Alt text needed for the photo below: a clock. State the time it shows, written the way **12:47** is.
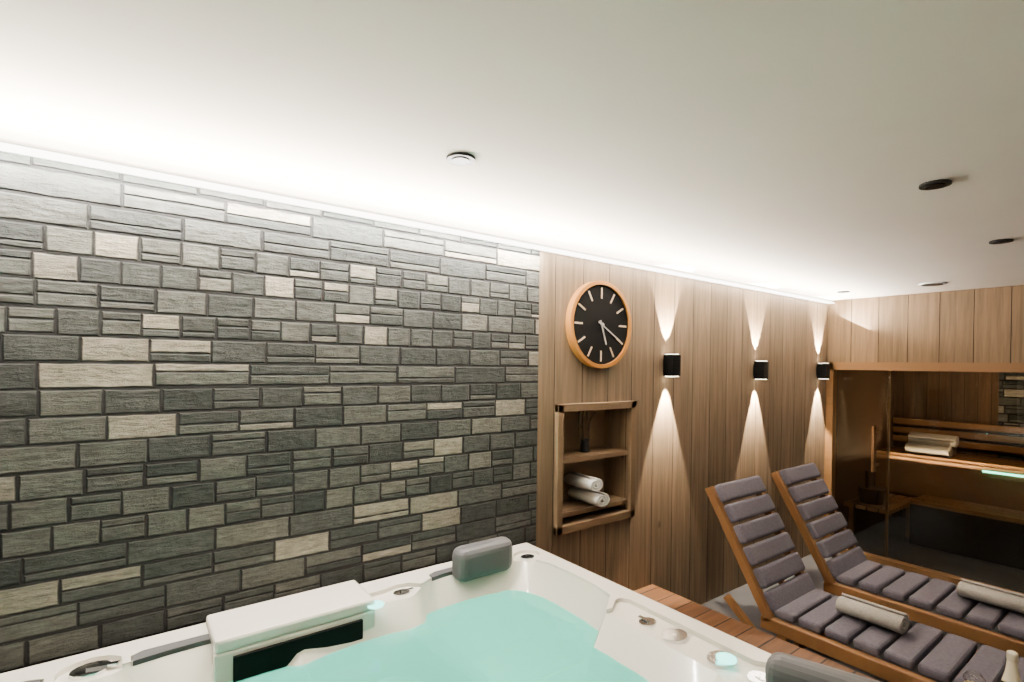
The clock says **5:20**
